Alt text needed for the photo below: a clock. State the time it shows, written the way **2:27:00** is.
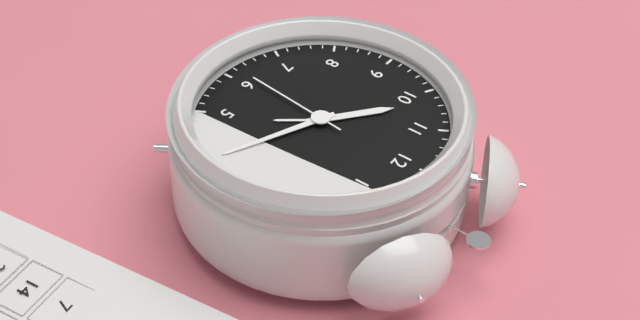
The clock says **10:19:31**
